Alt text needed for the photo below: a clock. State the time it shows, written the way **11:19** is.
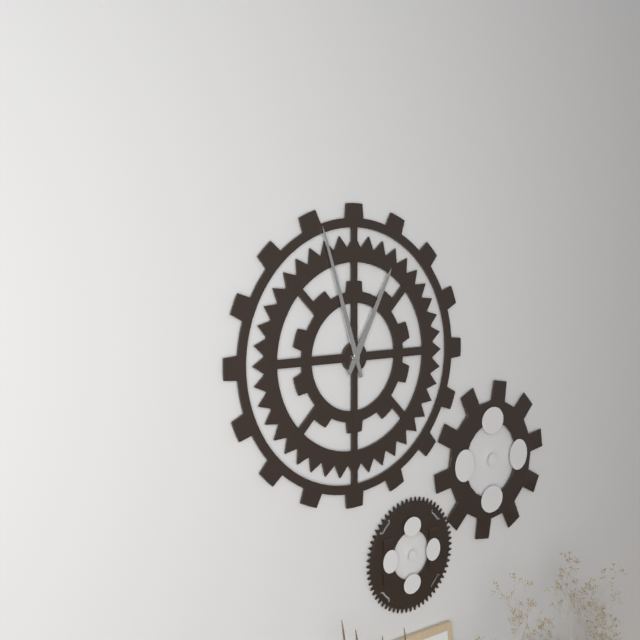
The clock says **12:57**
